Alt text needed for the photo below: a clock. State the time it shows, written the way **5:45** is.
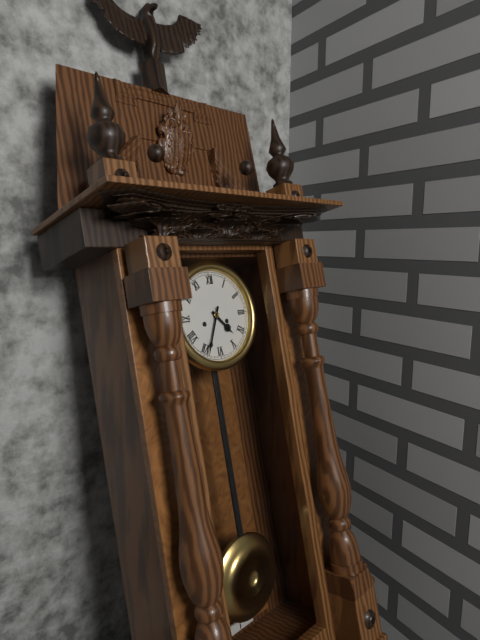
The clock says **4:34**
